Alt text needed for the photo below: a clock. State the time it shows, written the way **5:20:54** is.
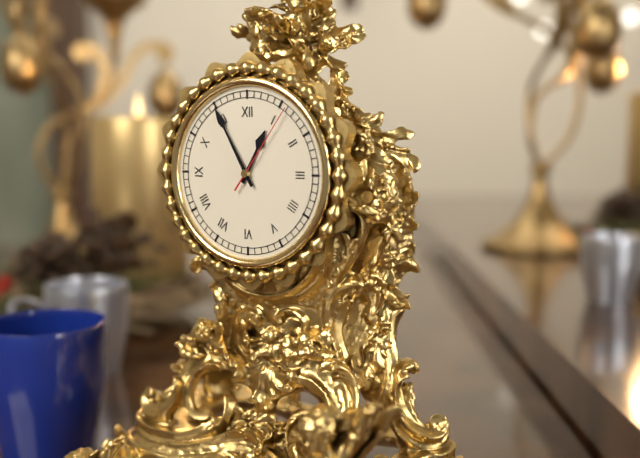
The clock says **12:55:06**
